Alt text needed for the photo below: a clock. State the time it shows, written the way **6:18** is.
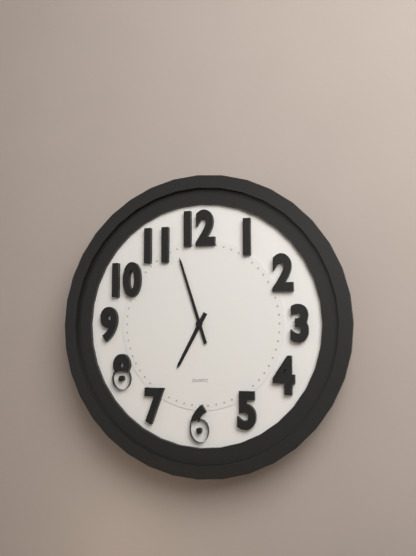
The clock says **6:57**
